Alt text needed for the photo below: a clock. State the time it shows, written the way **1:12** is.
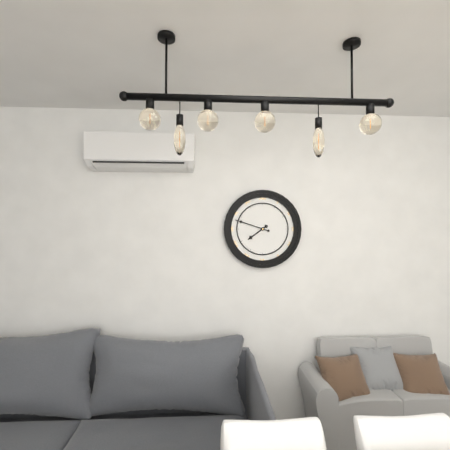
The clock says **7:48**
